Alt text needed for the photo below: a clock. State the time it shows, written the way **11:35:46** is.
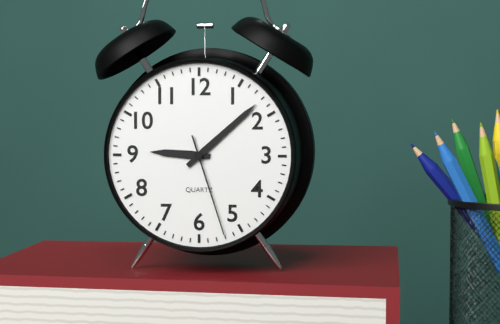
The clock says **9:08:27**
